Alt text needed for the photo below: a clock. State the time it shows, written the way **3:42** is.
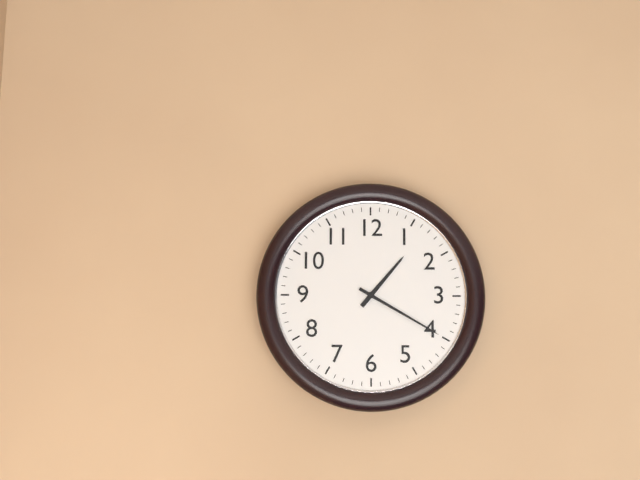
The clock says **1:20**
